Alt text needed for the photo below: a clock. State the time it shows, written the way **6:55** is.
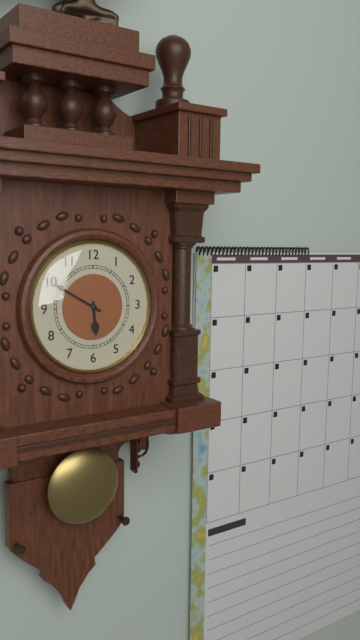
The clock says **5:50**
